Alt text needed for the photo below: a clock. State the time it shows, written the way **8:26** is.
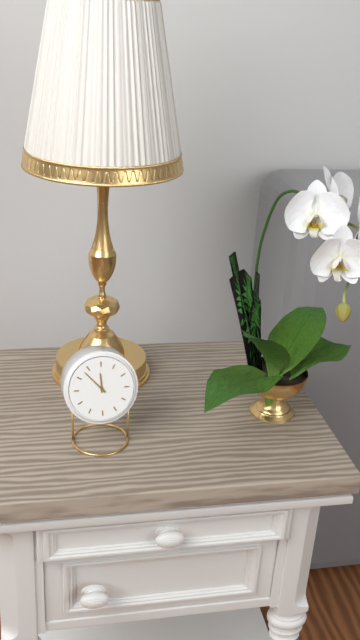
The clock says **11:53**
